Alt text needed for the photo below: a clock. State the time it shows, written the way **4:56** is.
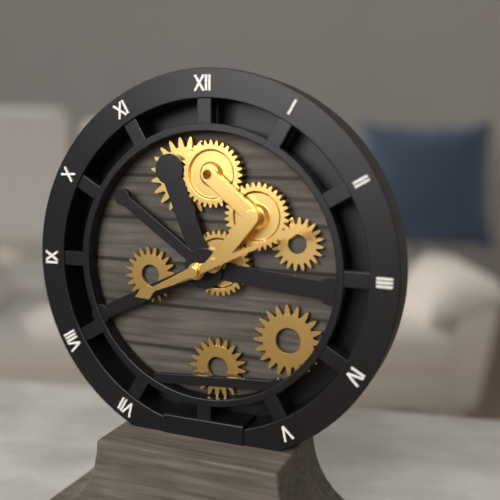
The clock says **8:11**
